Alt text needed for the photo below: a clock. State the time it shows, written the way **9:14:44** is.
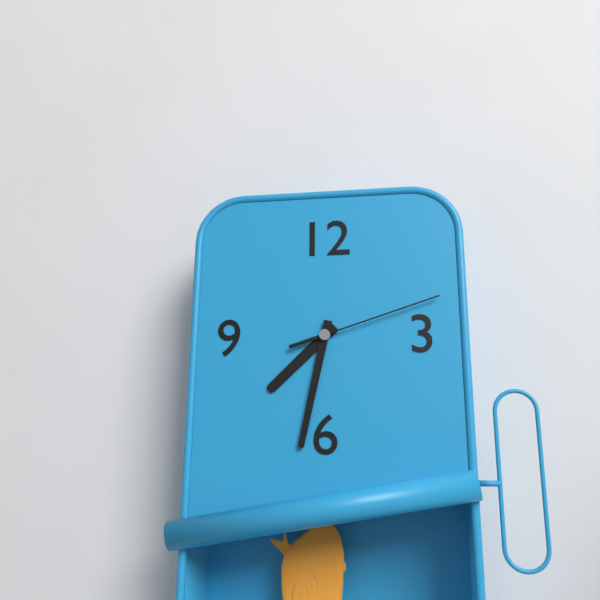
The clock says **7:32:12**
